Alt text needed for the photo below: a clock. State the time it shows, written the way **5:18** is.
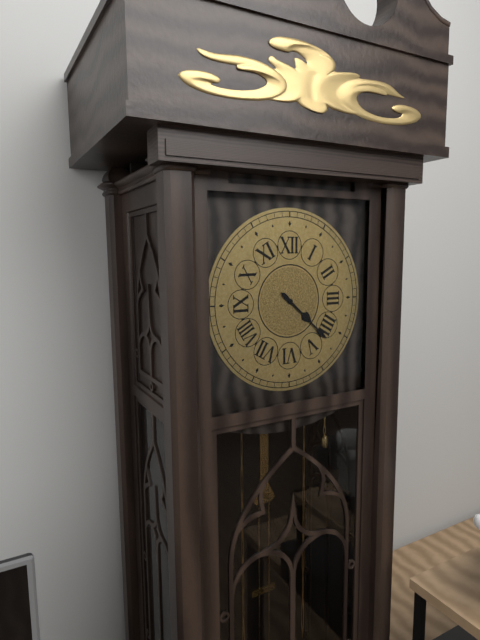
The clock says **4:22**
